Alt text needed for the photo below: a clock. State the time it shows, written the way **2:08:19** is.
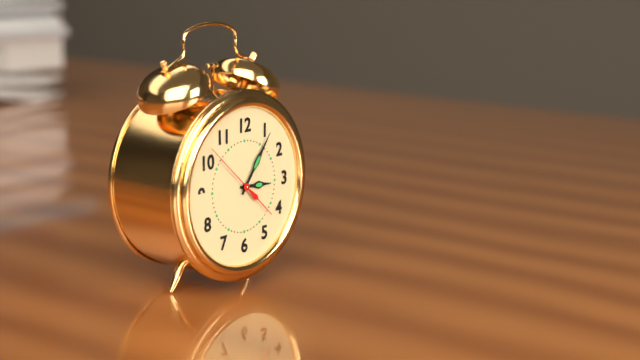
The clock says **3:06:52**
